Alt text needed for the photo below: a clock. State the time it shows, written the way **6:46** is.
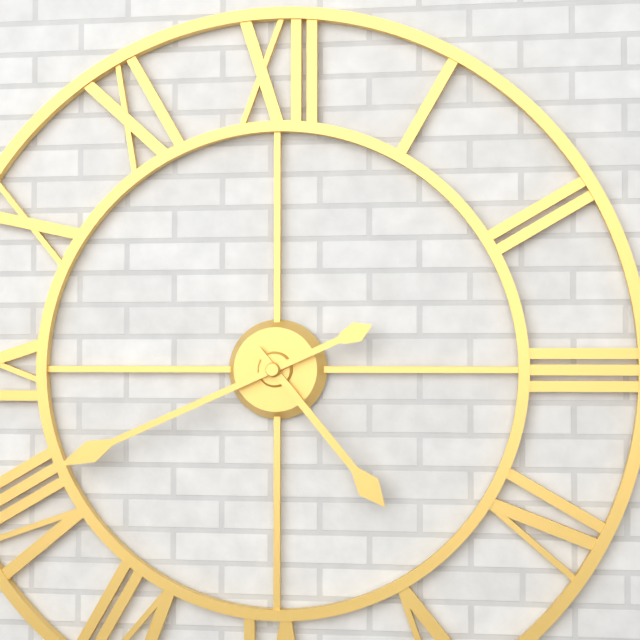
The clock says **4:41**
